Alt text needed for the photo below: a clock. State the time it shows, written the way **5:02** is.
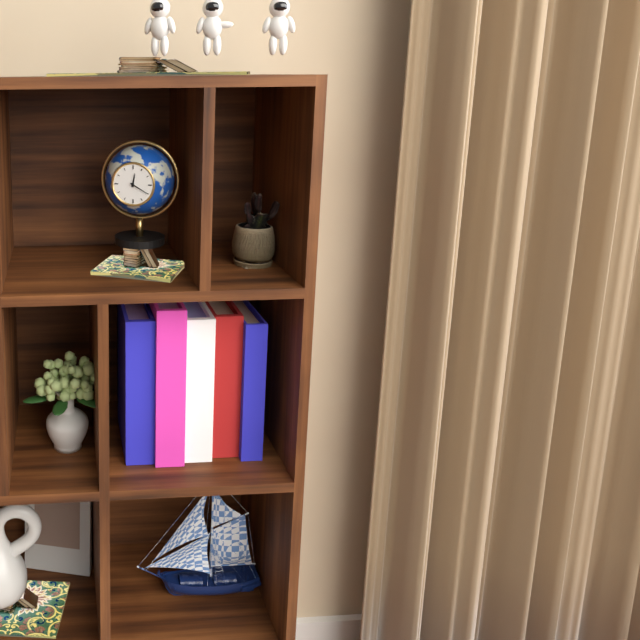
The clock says **12:20**
